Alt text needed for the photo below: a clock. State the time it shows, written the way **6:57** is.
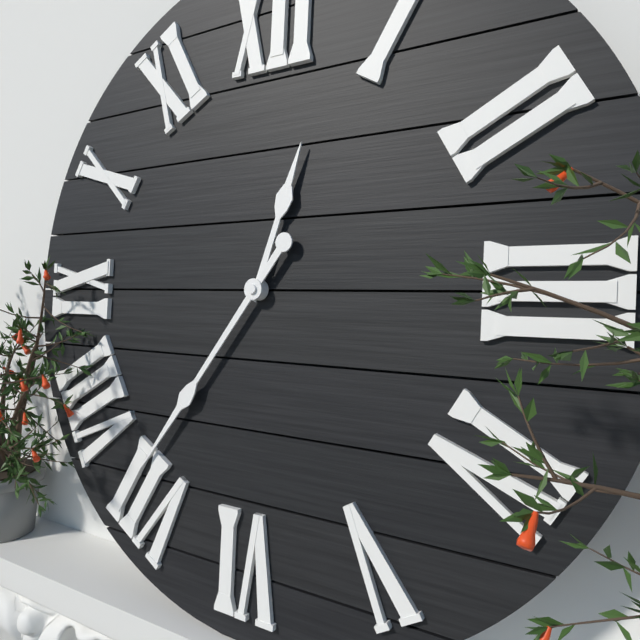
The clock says **12:36**
